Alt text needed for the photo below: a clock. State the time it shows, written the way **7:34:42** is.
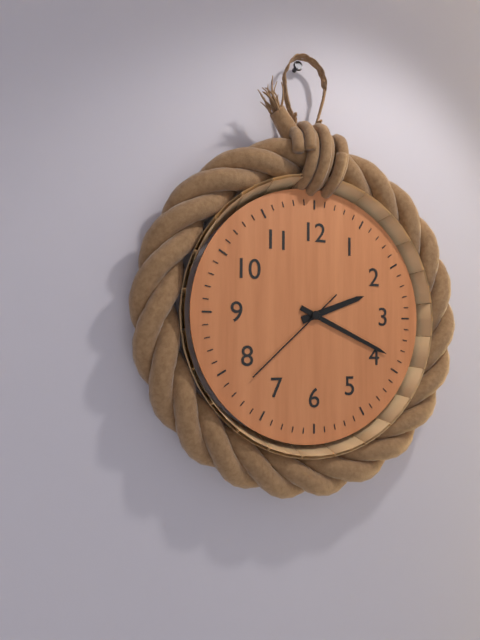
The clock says **2:19:38**
